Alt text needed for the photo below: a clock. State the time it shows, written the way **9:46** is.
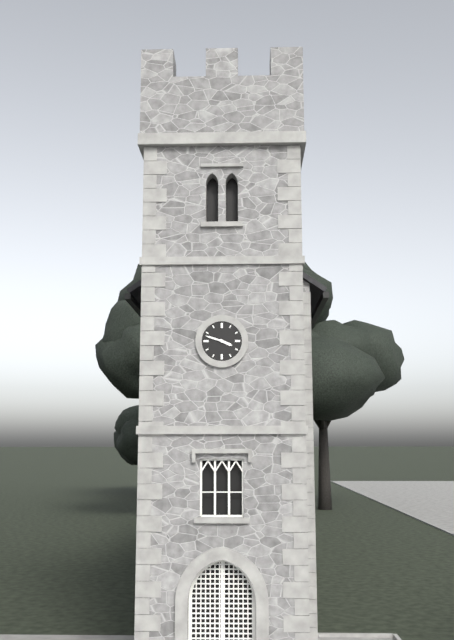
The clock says **3:48**
